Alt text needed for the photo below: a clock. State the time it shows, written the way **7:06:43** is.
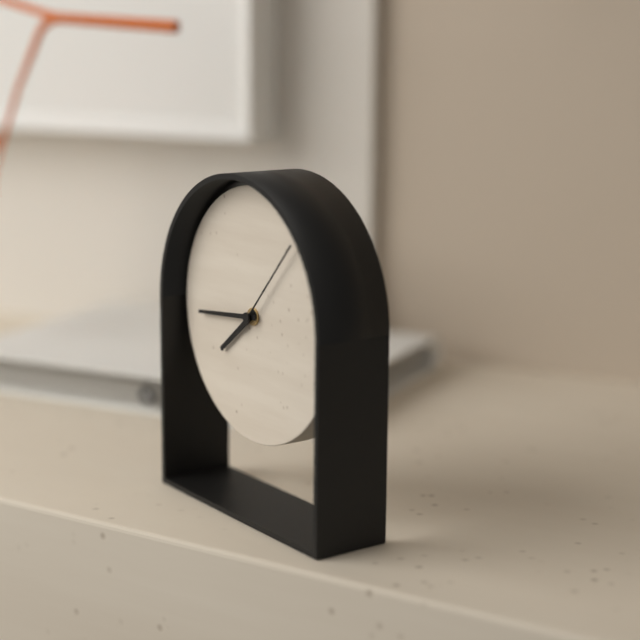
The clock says **7:44:07**
